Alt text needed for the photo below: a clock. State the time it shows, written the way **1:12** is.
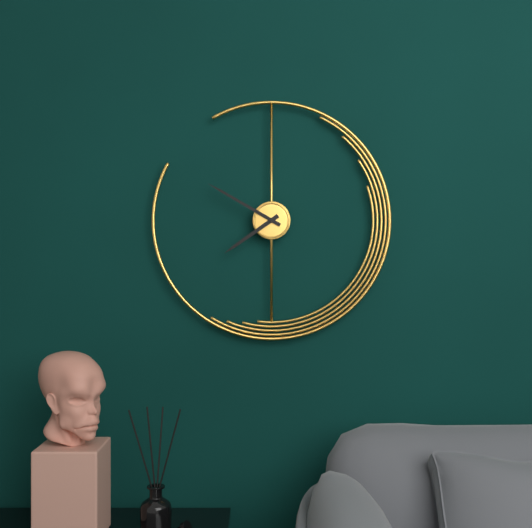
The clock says **7:50**
